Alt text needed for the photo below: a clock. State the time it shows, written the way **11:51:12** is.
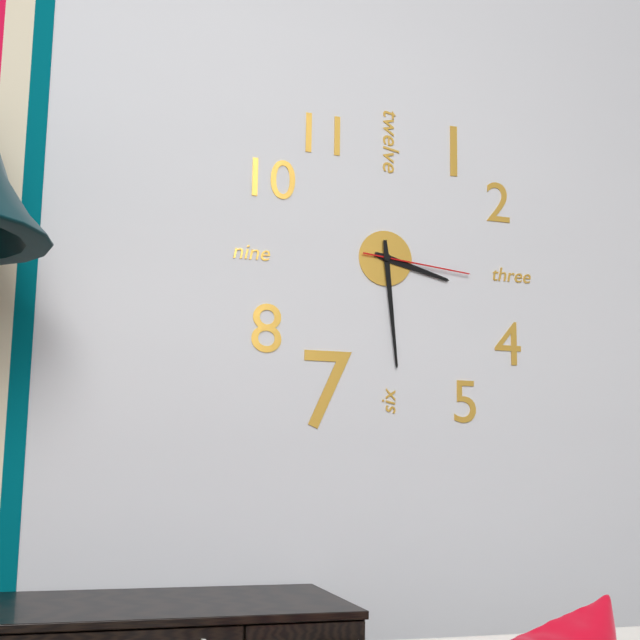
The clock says **3:29:16**
